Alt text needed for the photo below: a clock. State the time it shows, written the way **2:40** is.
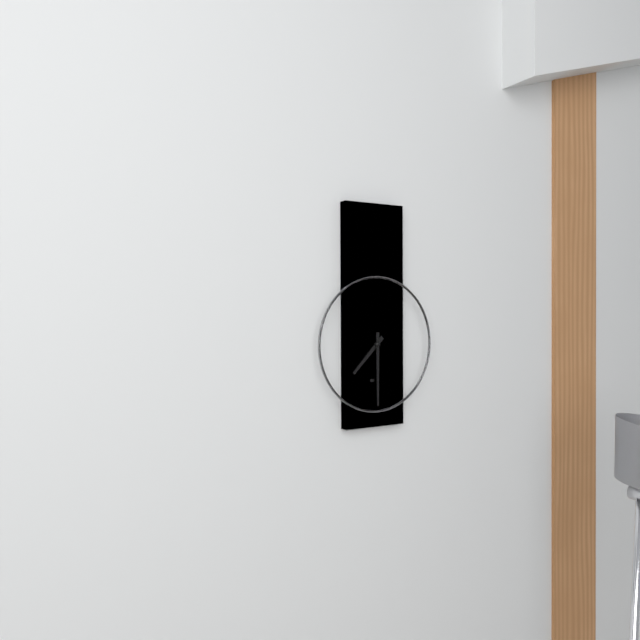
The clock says **7:30**
